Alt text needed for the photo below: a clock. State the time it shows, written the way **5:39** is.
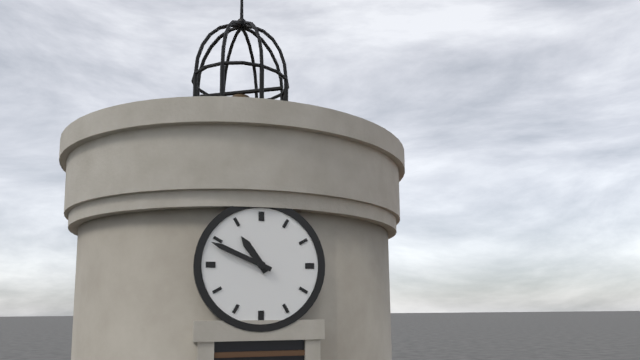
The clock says **10:49**
